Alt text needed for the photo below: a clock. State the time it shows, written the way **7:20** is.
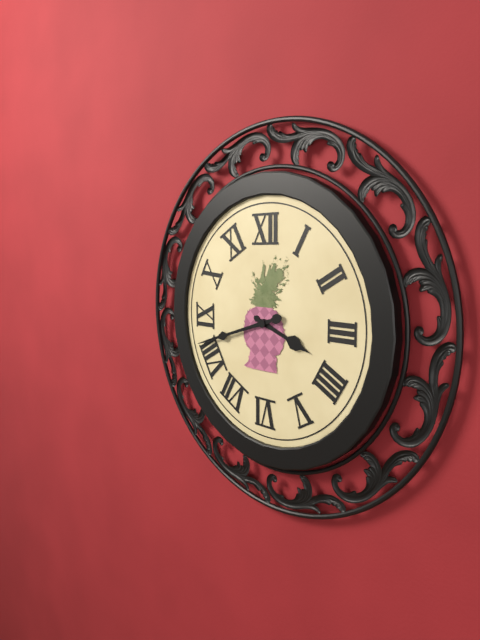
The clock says **3:42**
